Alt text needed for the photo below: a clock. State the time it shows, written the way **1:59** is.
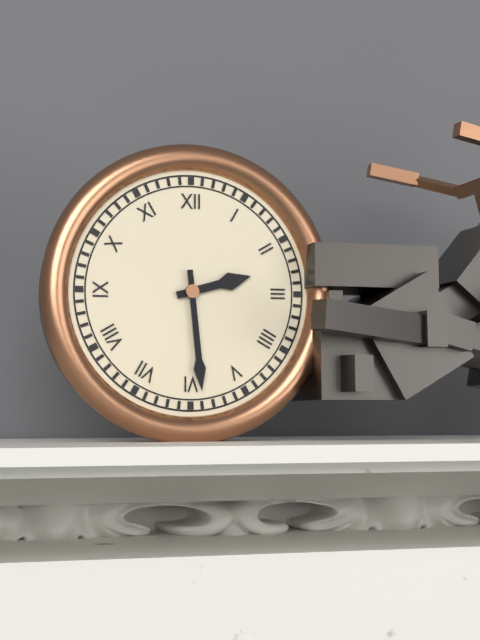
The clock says **2:29**
